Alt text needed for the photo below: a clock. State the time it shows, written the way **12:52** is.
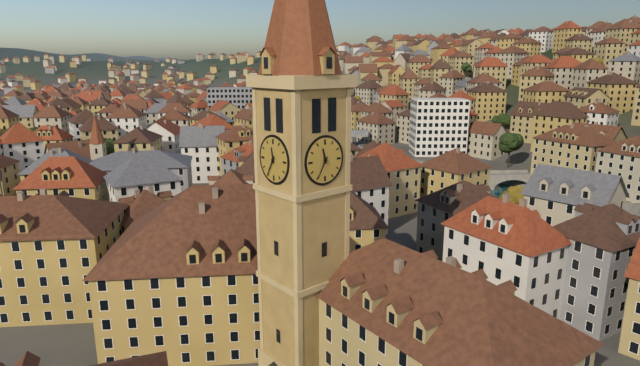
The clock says **11:35**
